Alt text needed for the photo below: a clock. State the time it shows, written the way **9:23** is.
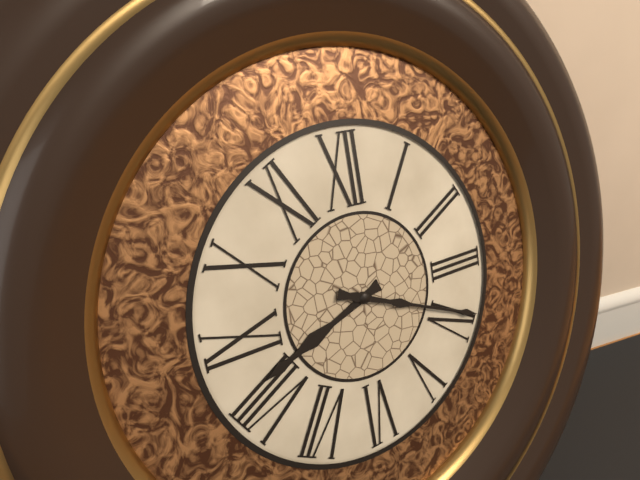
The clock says **8:19**
